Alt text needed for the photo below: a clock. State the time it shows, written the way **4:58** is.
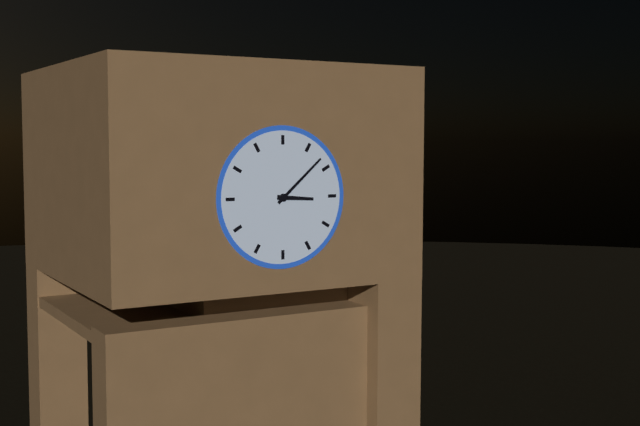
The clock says **3:08**
